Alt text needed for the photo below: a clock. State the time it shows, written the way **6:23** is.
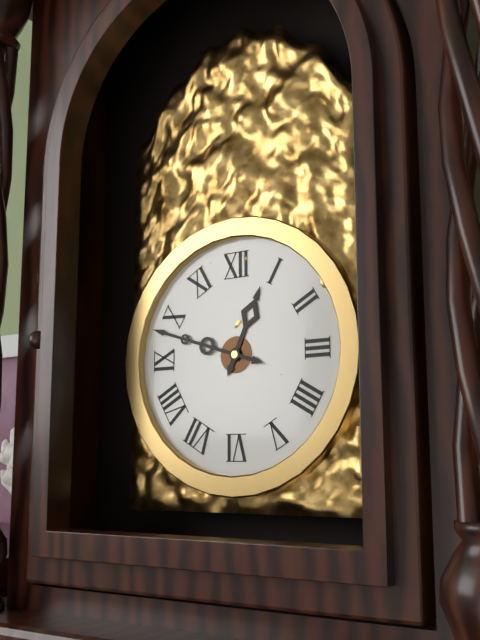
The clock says **12:48**
